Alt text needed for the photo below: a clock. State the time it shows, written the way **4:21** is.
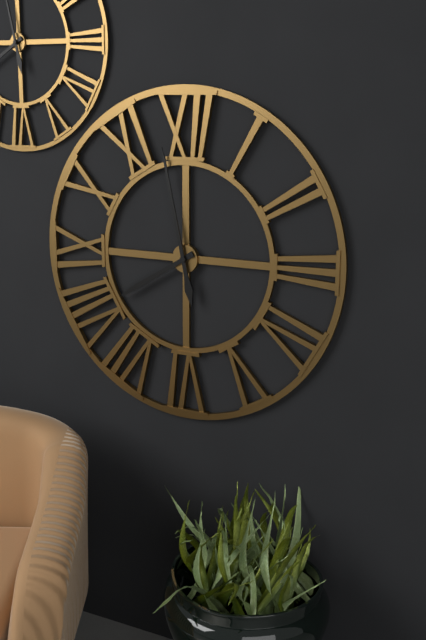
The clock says **7:58**
